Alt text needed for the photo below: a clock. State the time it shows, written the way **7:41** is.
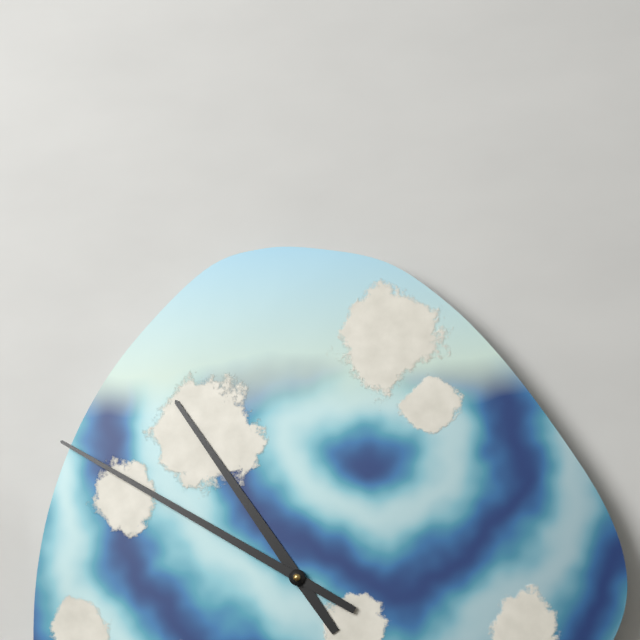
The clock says **10:50**
